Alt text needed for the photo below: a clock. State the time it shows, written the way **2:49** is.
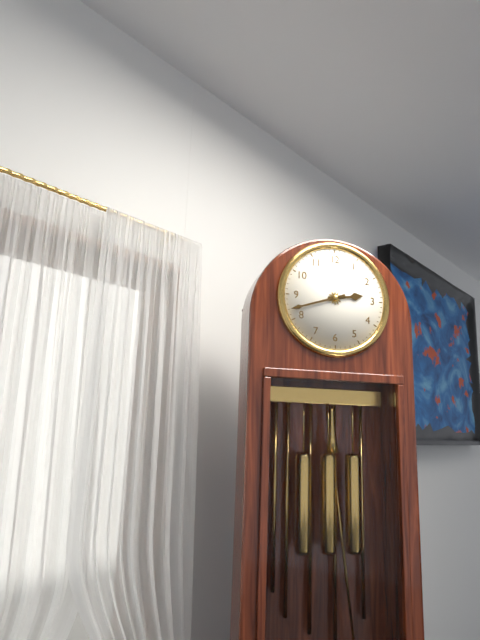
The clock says **2:42**
